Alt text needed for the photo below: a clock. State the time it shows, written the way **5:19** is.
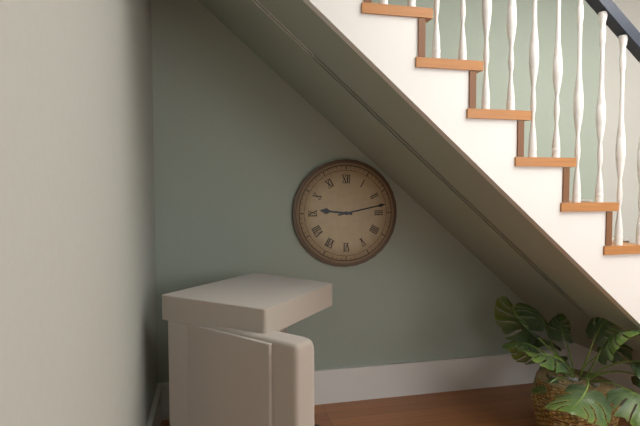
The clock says **9:13**
